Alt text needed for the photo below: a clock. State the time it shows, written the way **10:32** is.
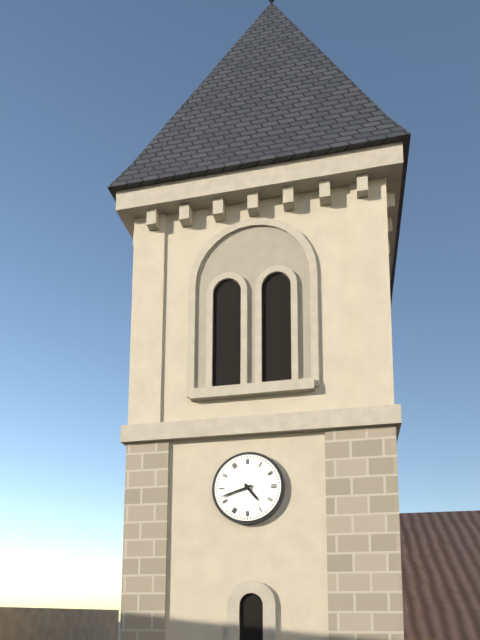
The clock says **4:42**
